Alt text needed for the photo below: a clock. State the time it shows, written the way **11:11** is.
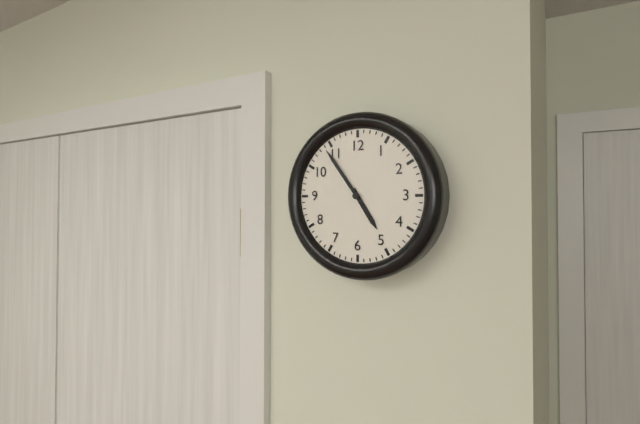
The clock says **4:54**
